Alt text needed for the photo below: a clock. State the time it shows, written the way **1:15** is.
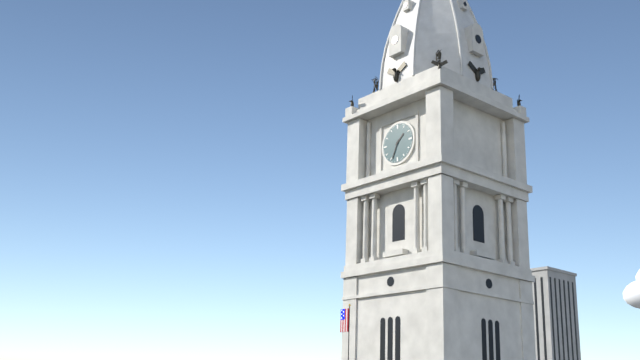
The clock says **1:34**
